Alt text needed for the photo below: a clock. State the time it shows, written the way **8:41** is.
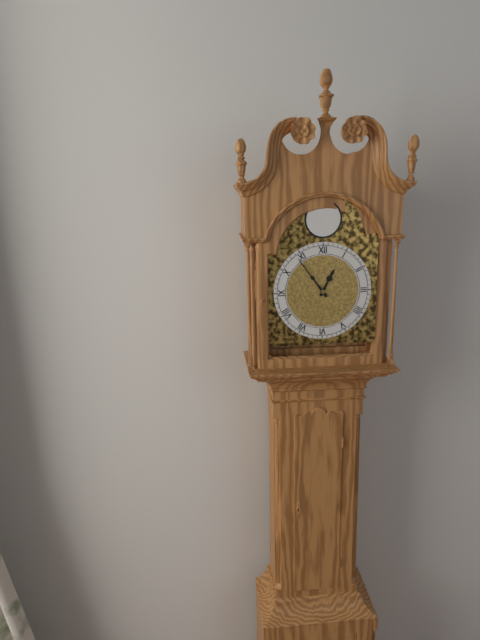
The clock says **12:54**
